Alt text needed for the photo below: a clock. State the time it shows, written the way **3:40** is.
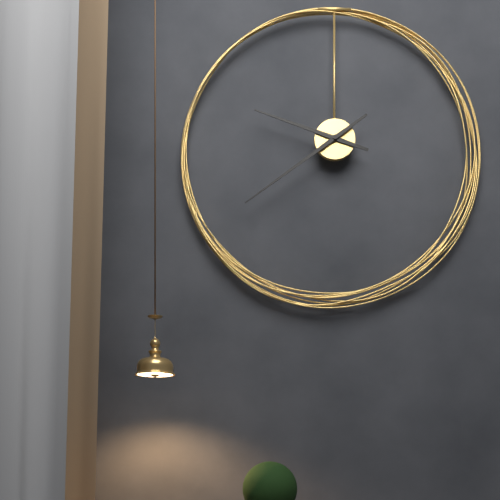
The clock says **9:39**
